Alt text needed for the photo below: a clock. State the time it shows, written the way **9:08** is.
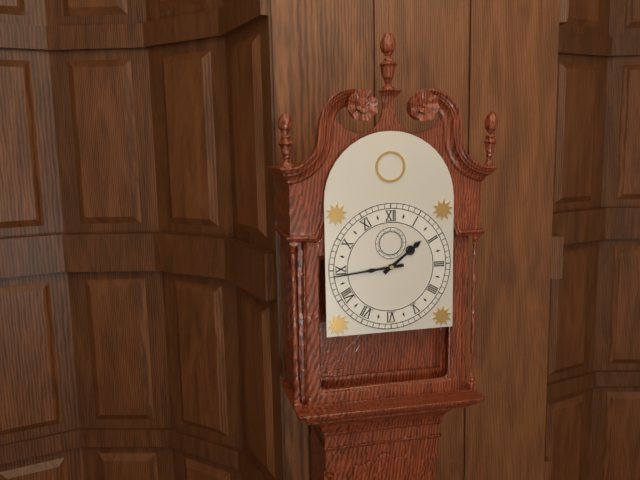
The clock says **1:44**
